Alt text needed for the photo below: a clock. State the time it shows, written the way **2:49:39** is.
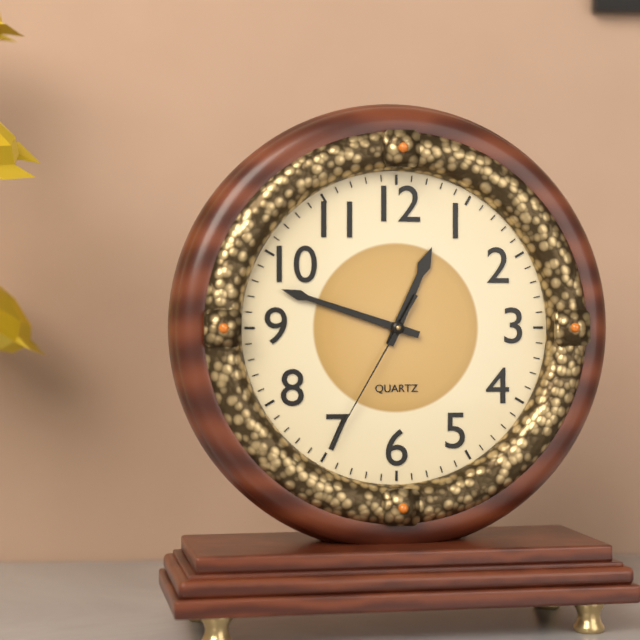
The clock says **12:48:35**
